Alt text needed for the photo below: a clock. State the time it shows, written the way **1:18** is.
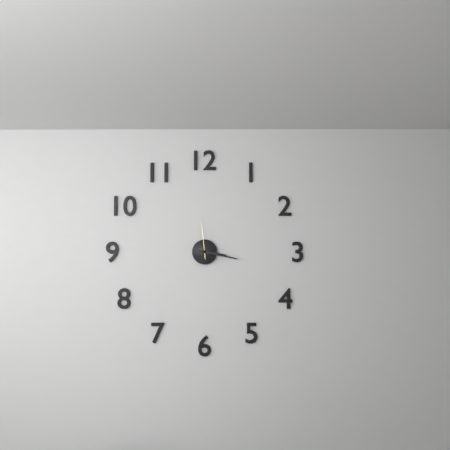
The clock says **3:17**
